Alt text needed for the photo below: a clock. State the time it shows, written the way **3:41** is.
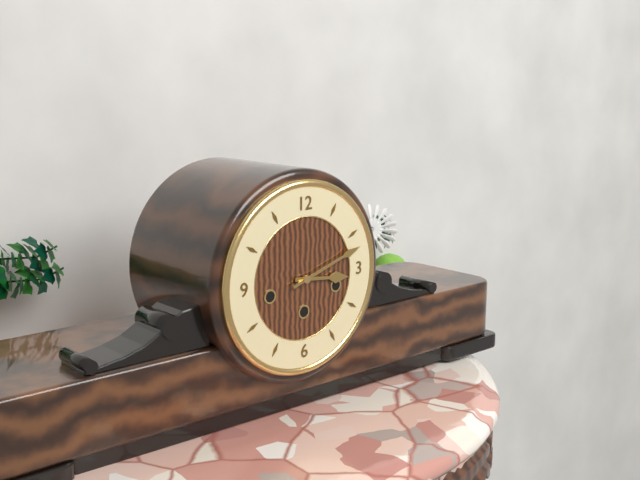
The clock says **3:12**
